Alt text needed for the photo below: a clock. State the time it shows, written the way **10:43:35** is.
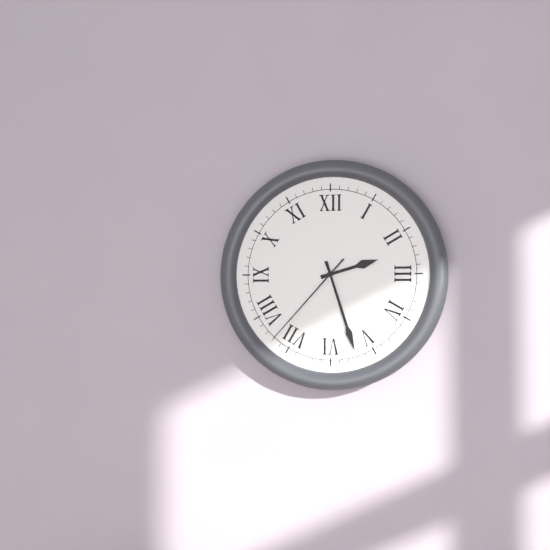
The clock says **2:27:37**
